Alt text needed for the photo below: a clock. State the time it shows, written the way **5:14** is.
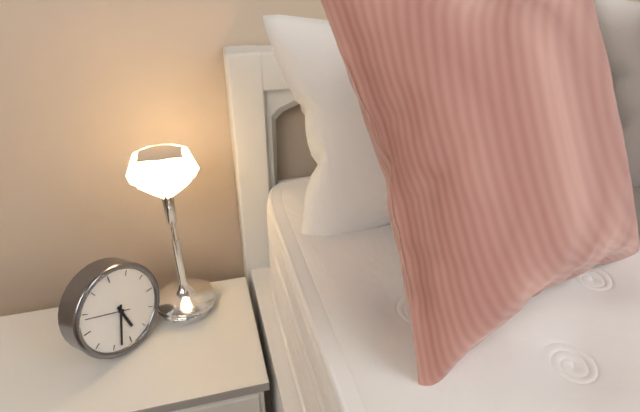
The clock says **5:33**
